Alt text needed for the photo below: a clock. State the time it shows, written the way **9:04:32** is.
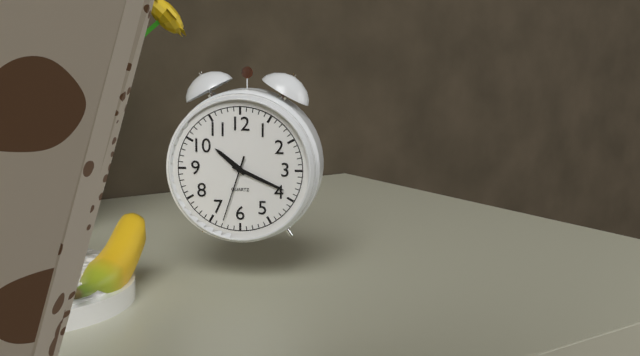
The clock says **10:19:33**
